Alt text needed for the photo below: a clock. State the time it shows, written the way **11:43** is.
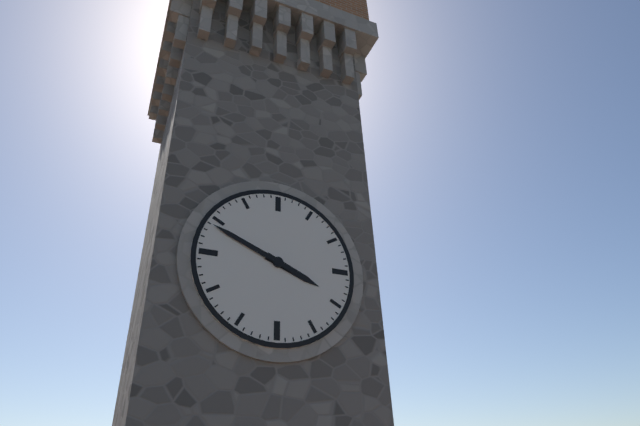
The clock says **3:49**
